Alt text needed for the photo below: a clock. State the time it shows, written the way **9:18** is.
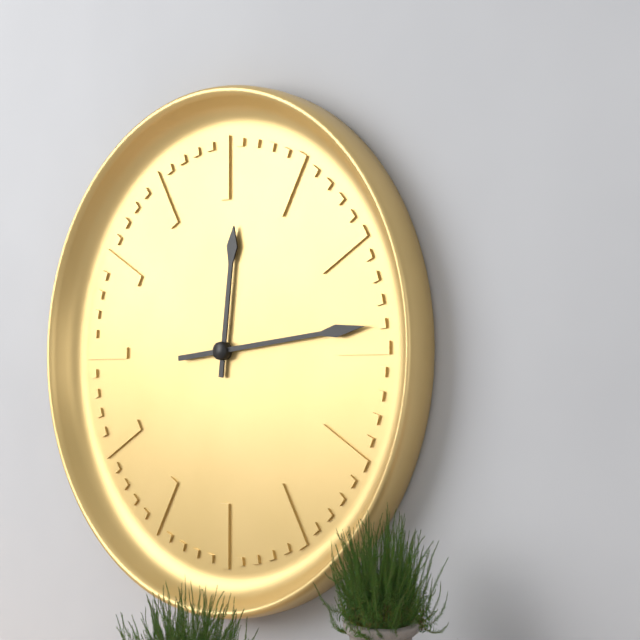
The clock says **12:14**
